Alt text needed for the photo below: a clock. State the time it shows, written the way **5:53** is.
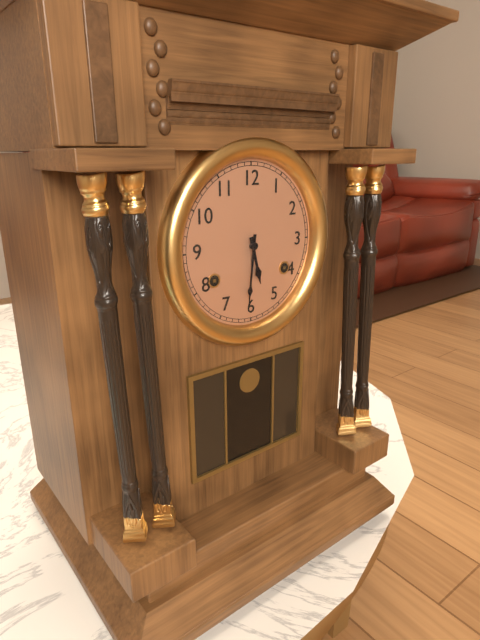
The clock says **5:31**
